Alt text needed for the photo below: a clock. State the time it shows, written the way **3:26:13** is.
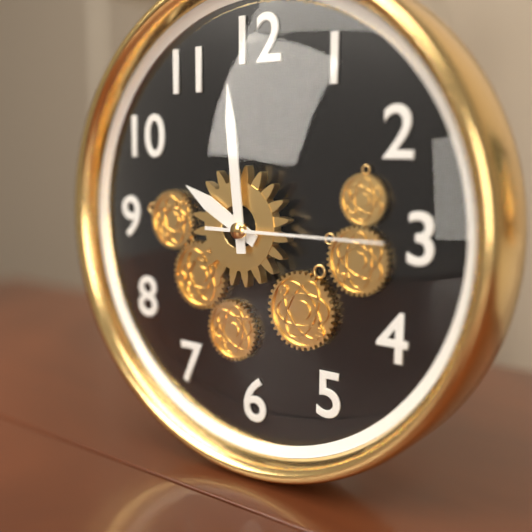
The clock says **9:59:15**
